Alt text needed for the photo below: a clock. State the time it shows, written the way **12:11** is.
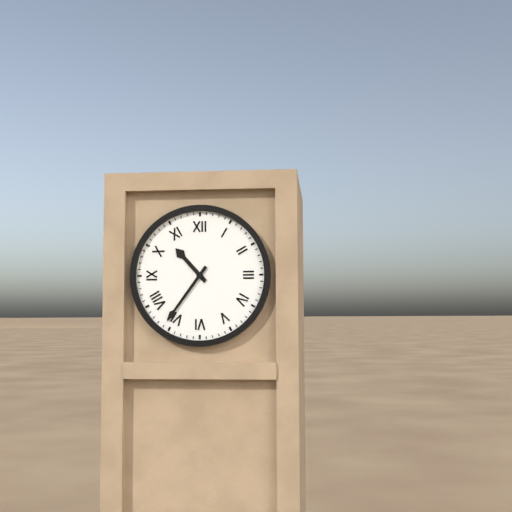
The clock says **10:36**
